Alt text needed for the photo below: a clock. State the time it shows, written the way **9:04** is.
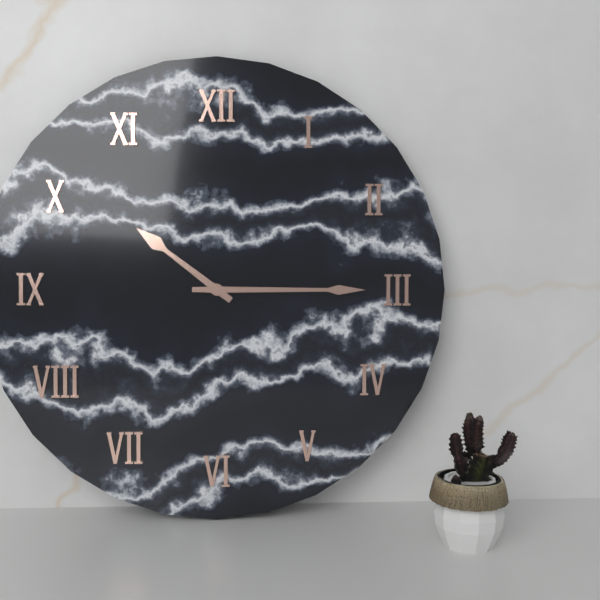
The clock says **10:15**
